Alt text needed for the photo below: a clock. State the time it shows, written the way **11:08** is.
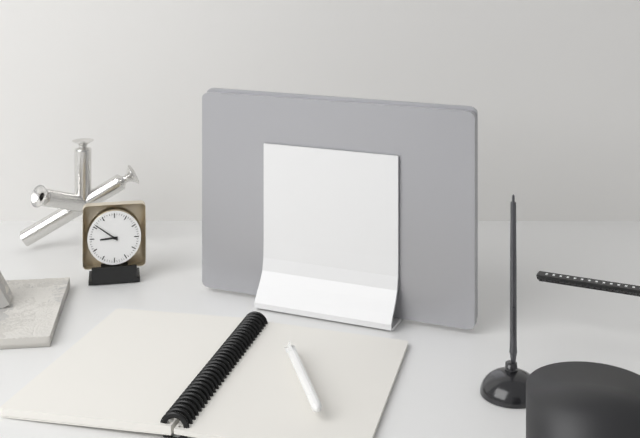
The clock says **8:51**
